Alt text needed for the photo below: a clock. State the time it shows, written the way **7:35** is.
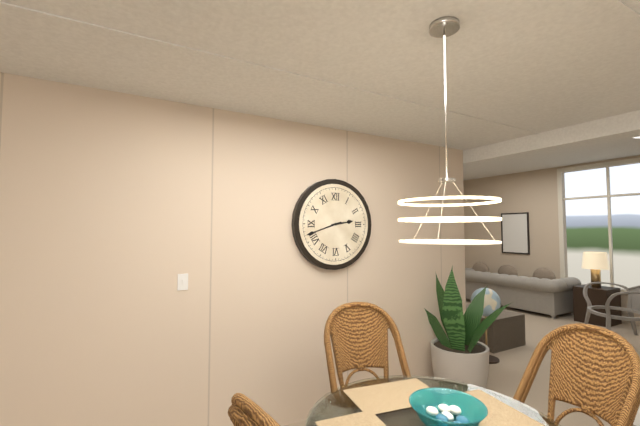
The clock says **2:42**
